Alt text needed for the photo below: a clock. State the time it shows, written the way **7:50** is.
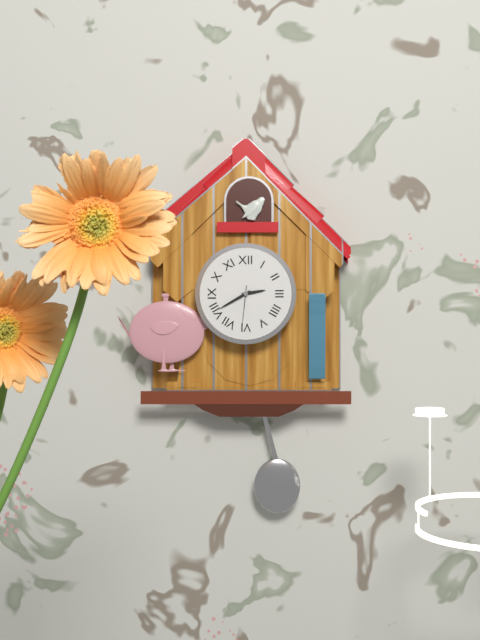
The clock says **2:40**
